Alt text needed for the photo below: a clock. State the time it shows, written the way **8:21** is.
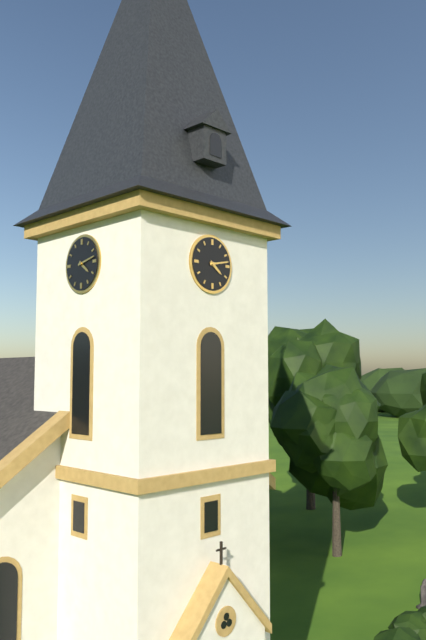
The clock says **4:13**
